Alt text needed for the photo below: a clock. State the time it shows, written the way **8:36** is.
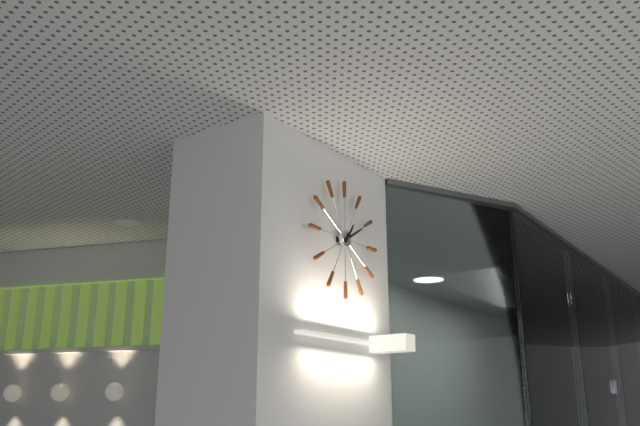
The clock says **1:10**
